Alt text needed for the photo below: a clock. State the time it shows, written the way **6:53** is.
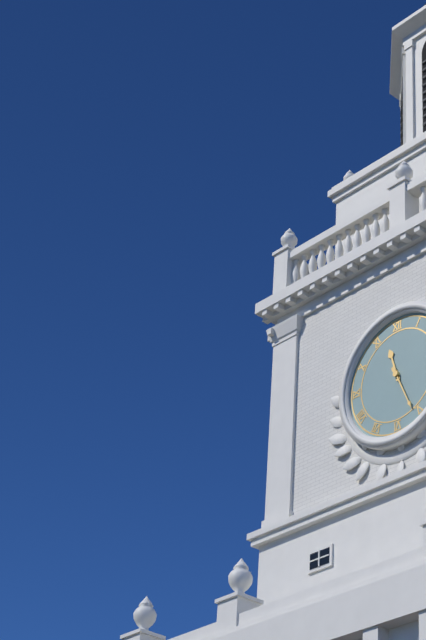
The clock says **11:26**
